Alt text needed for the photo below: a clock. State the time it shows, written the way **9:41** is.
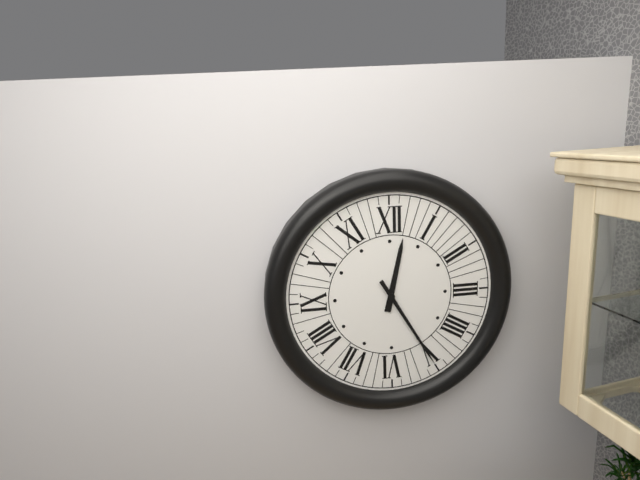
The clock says **12:25**
